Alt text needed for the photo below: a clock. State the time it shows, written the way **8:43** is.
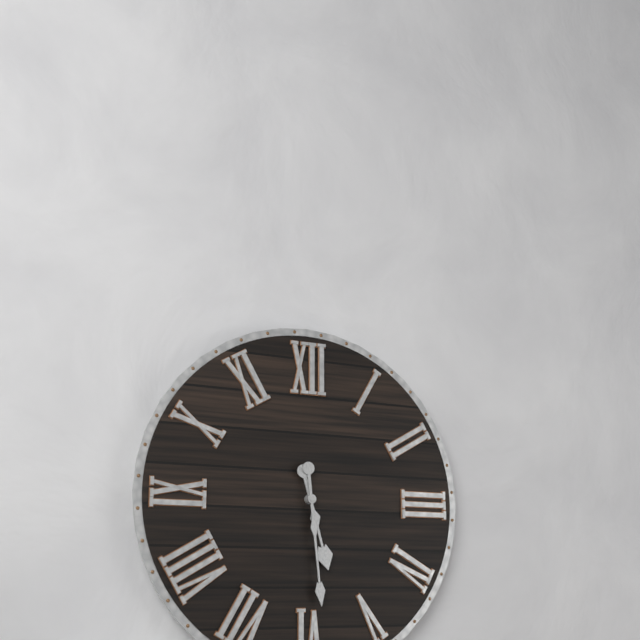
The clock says **5:29**
